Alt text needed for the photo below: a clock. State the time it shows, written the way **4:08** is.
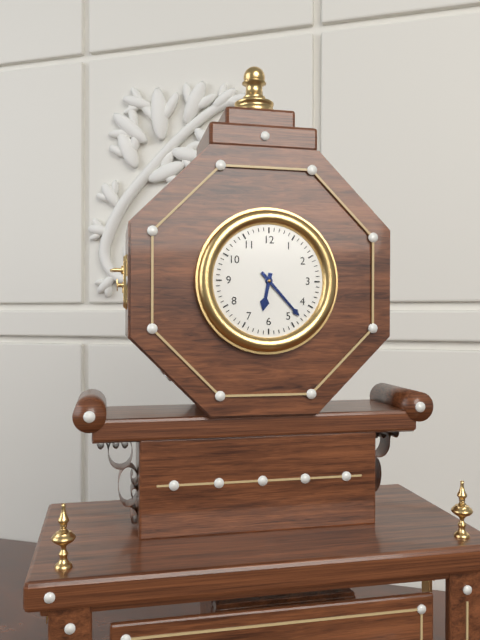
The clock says **6:23**
